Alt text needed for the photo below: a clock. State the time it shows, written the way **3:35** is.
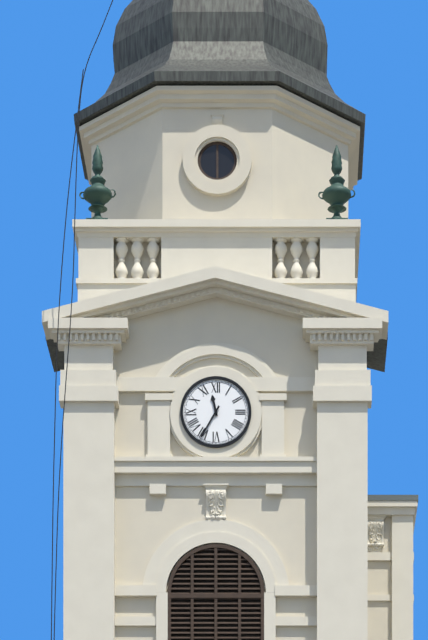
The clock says **11:35**
